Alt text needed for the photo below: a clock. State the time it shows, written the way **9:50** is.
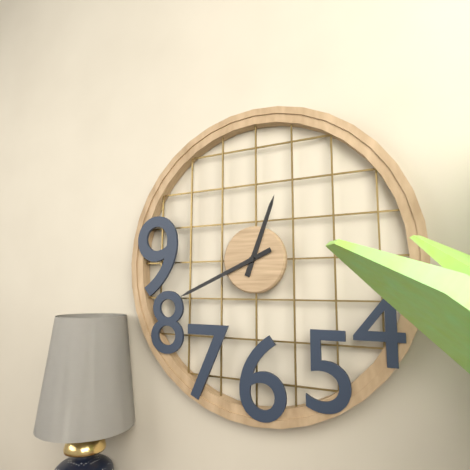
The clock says **12:41**
